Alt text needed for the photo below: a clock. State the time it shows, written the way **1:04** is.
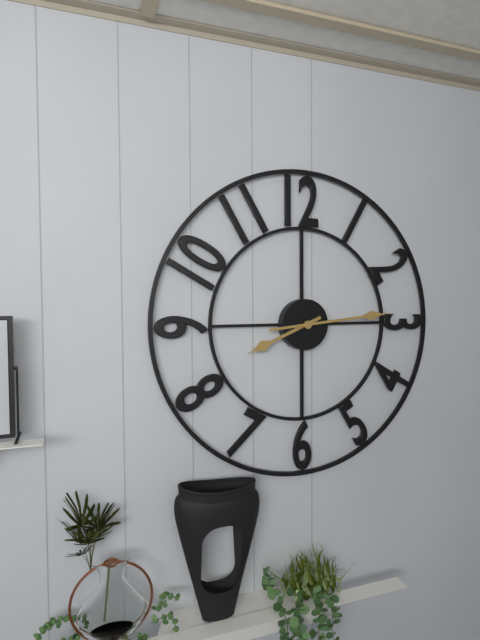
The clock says **8:14**
